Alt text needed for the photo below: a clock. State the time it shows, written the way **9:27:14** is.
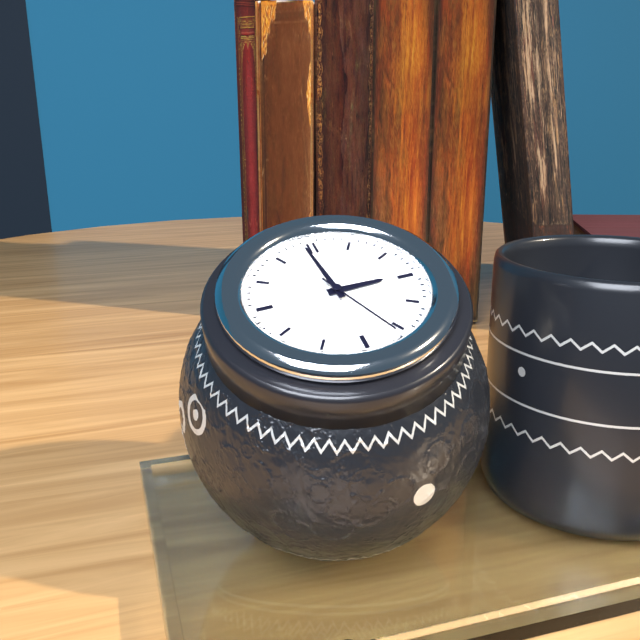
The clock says **2:59:26**
